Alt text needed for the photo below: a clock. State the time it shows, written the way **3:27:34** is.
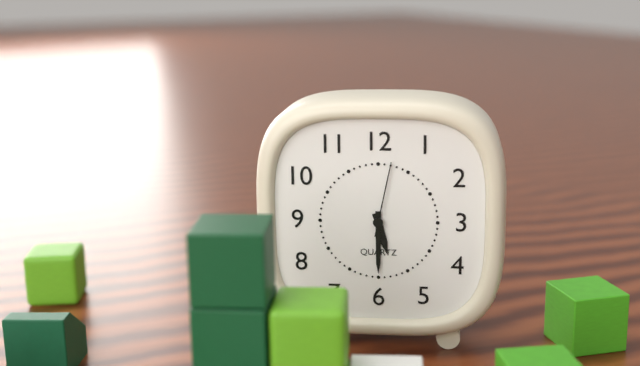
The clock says **5:30:02**
